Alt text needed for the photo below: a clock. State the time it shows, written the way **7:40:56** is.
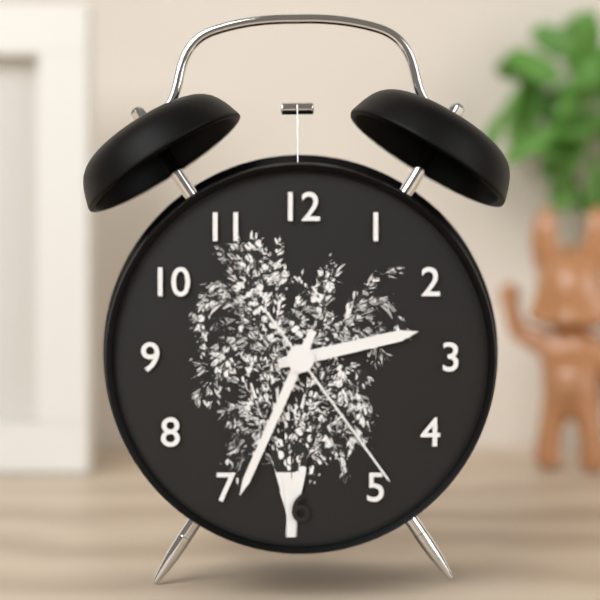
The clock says **2:34:24**
